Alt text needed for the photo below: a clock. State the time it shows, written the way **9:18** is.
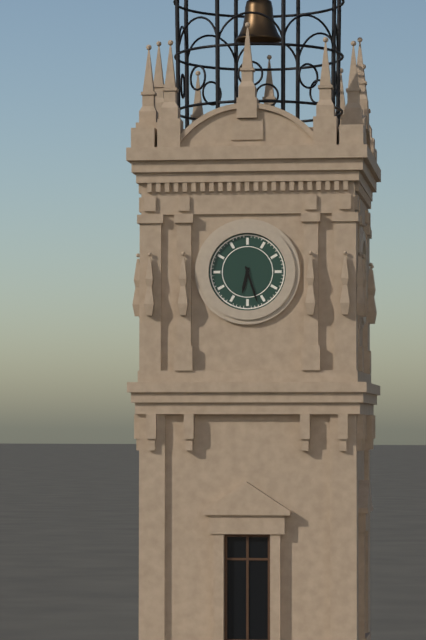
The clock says **6:27**
